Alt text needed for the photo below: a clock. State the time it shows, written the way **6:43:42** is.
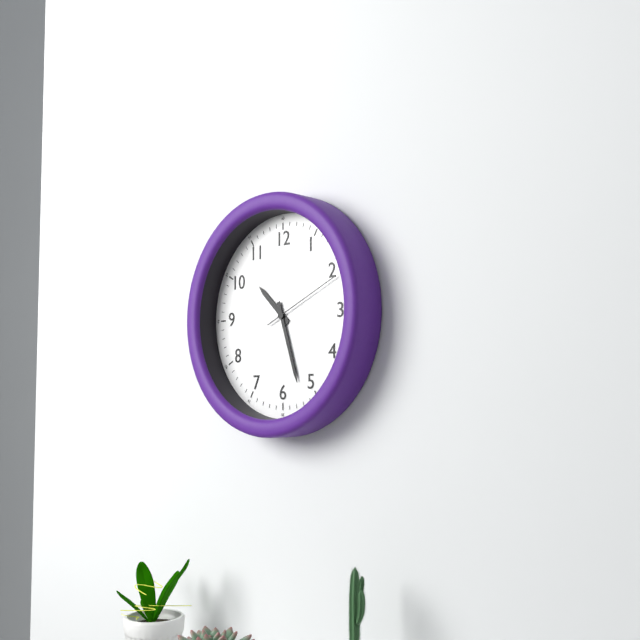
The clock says **10:27:11**
